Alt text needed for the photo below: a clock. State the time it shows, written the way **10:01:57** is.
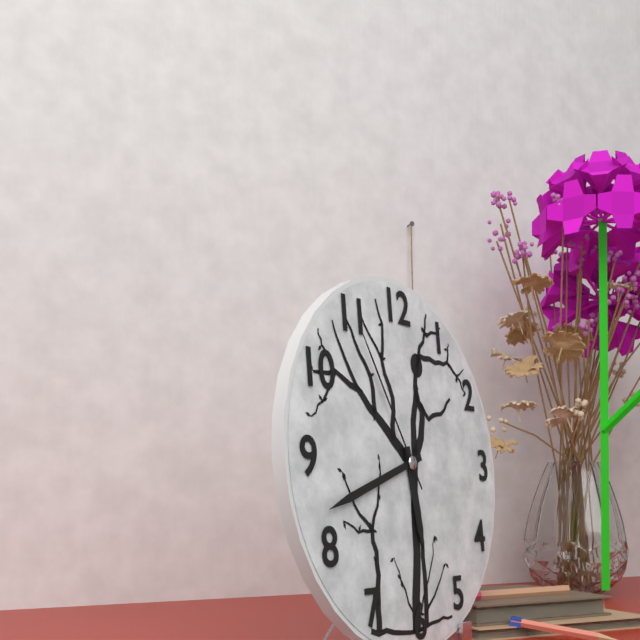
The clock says **5:42:55**
